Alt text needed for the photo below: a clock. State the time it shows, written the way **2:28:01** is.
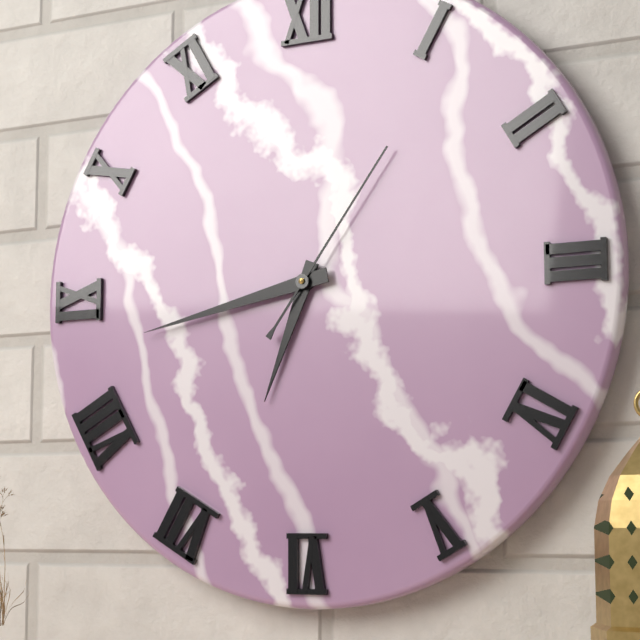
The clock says **6:43:06**
